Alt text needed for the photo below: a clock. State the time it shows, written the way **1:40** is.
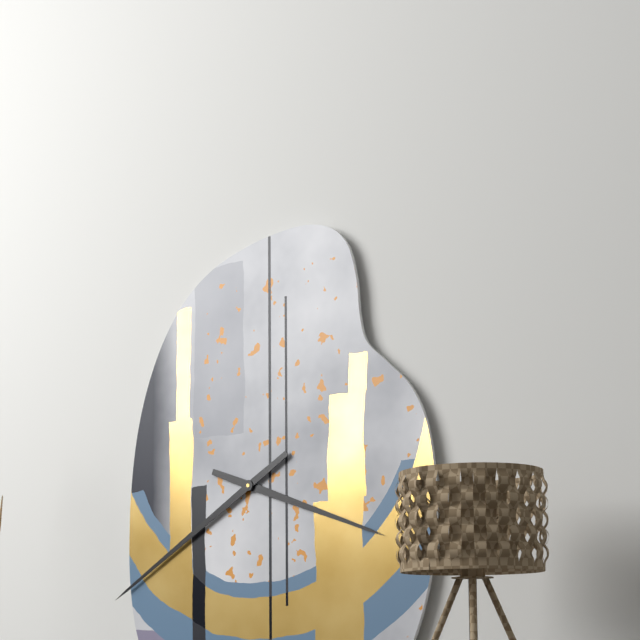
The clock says **3:40**
